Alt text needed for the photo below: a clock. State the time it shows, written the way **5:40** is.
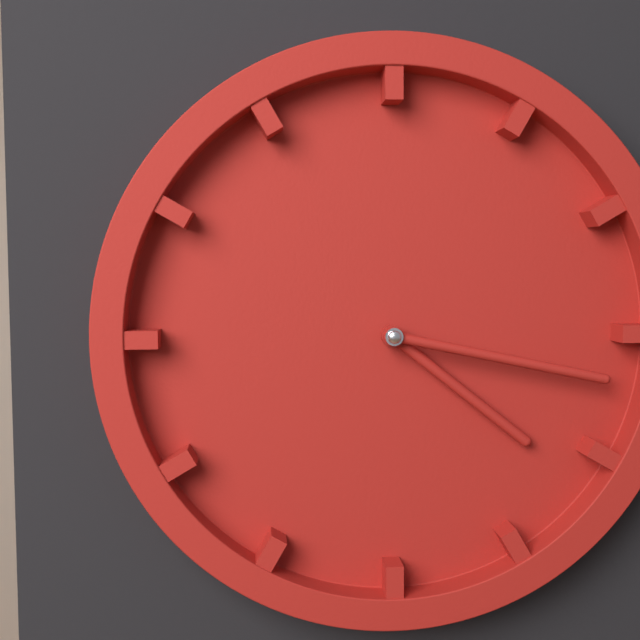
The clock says **4:17**
